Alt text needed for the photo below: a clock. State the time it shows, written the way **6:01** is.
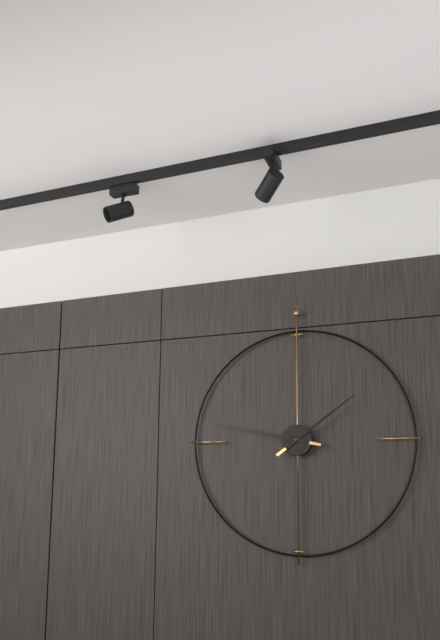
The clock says **1:47**
